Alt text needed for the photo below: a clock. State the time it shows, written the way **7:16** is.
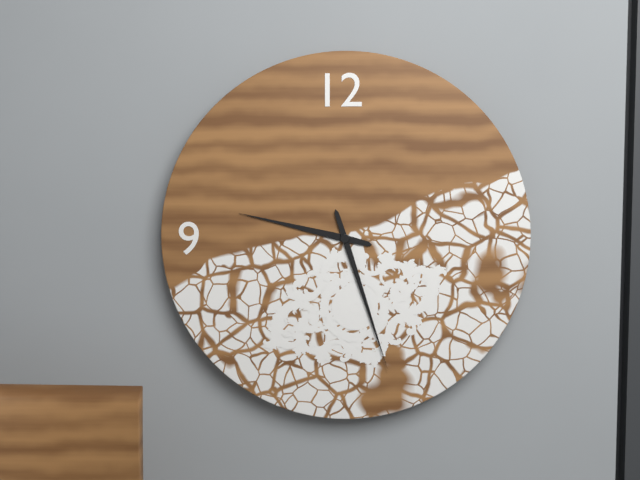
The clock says **9:27**
